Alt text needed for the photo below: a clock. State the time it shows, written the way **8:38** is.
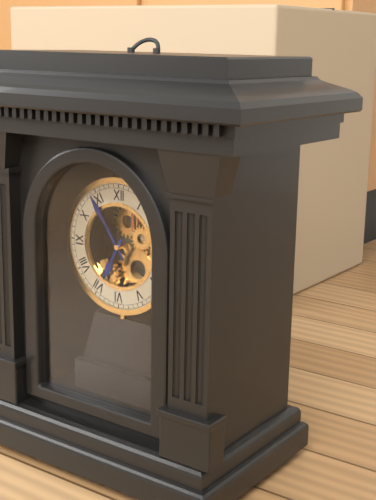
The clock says **6:54**
